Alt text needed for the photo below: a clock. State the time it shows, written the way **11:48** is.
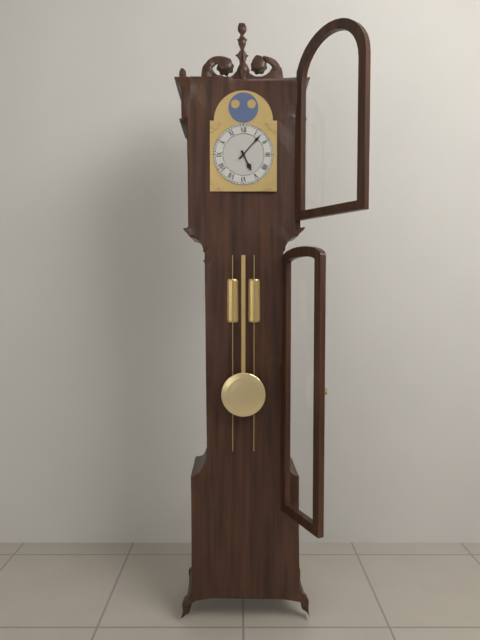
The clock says **5:07**
